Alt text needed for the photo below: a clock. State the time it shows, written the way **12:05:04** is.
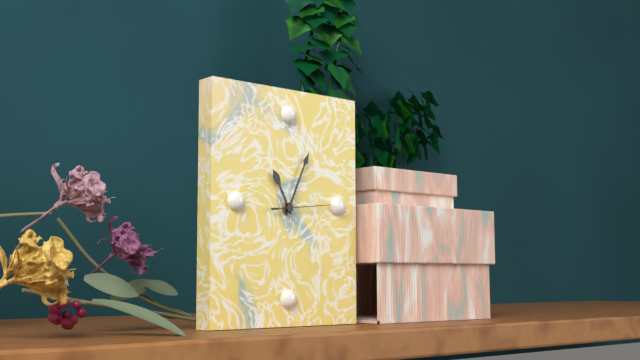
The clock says **11:04:14**
